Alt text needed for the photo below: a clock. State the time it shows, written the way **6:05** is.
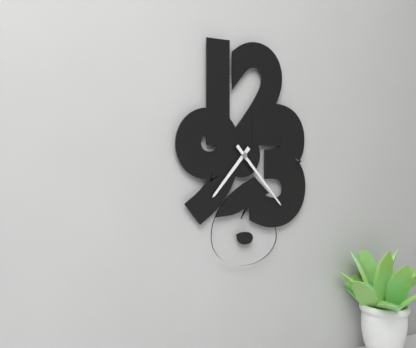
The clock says **7:23**
